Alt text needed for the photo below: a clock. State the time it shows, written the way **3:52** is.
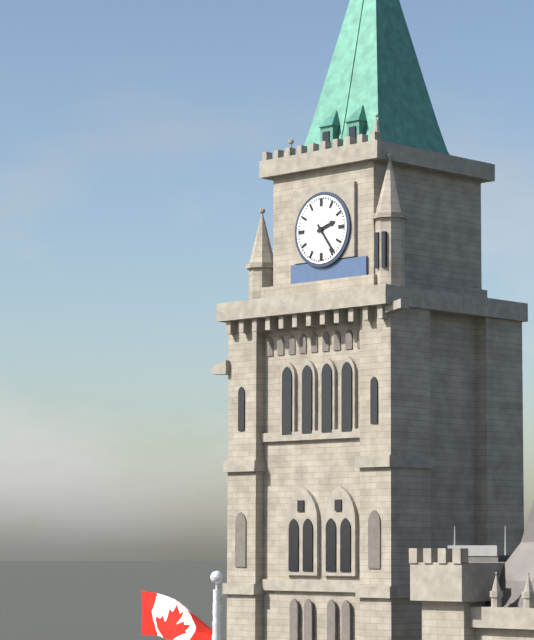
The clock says **2:24**
